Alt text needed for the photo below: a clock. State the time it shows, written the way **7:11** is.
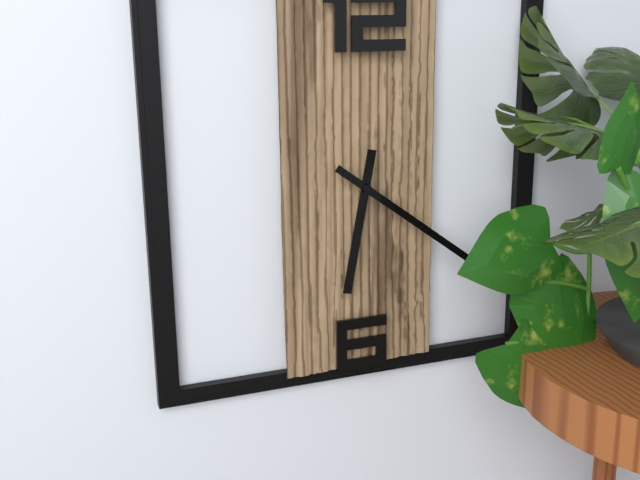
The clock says **6:21**
